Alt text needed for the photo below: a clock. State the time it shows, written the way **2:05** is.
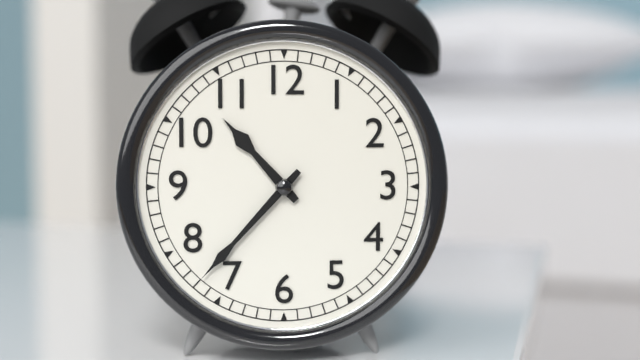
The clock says **10:37**
